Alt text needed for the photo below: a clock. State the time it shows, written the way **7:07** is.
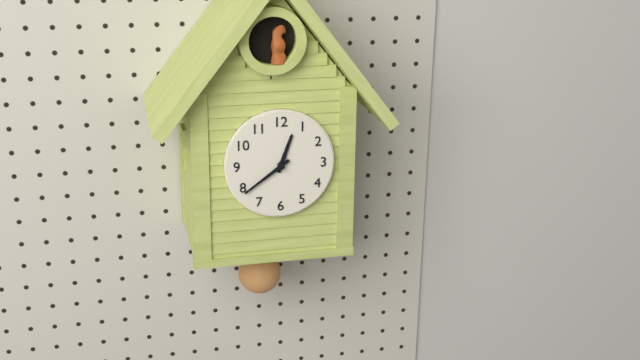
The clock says **12:39**
